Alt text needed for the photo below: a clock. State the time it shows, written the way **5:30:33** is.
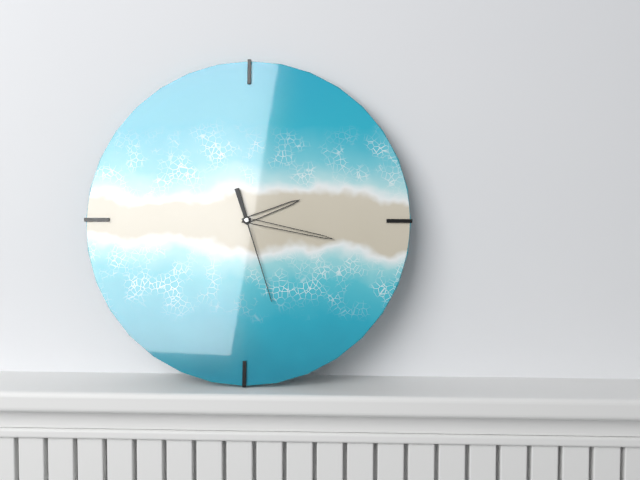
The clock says **2:17:27**
